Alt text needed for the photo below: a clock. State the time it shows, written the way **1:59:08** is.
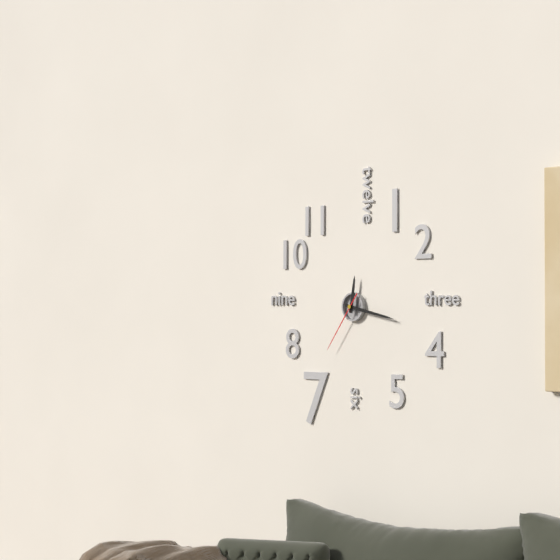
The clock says **12:17:36**
